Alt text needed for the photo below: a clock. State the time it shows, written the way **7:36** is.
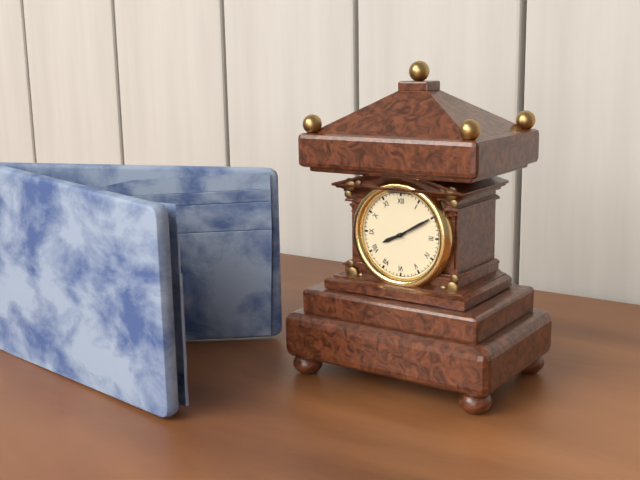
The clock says **8:10**
